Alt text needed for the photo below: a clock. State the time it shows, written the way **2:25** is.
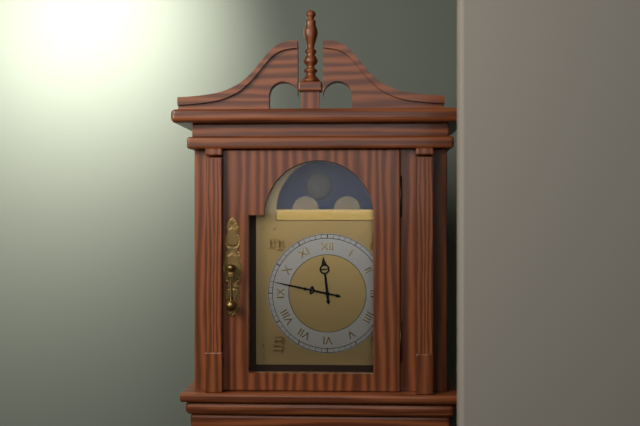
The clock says **11:47**
